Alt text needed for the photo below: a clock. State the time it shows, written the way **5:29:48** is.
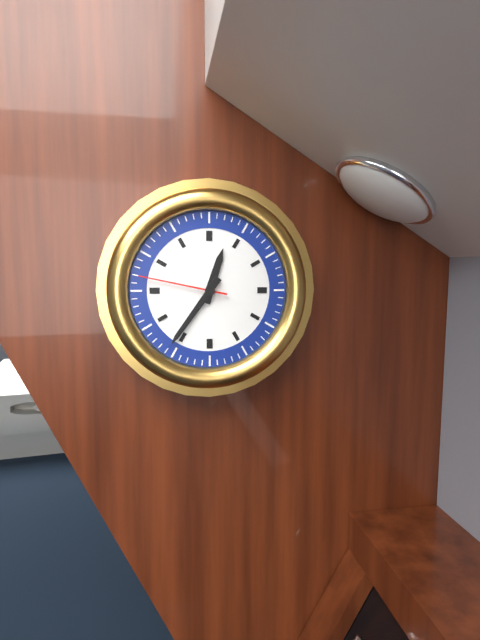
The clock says **12:36:47**
